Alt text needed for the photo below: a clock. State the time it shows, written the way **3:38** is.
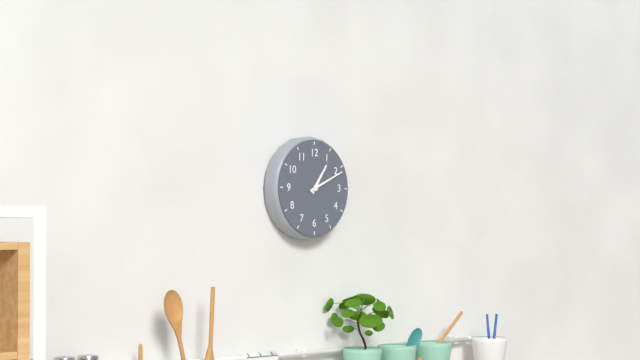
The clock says **1:11**
